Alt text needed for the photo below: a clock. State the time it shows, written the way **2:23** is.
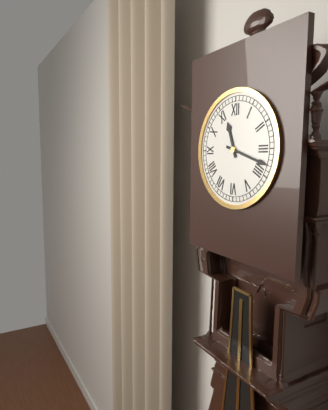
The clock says **11:18**
